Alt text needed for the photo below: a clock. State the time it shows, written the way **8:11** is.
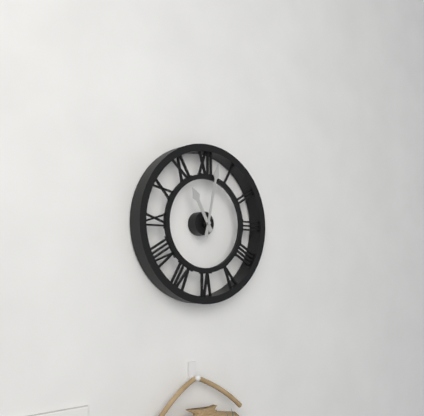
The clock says **11:02**
